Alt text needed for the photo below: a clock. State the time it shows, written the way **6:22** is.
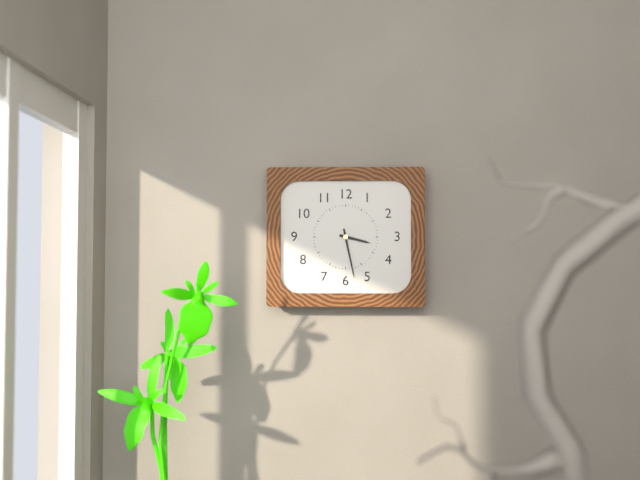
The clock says **3:28**
